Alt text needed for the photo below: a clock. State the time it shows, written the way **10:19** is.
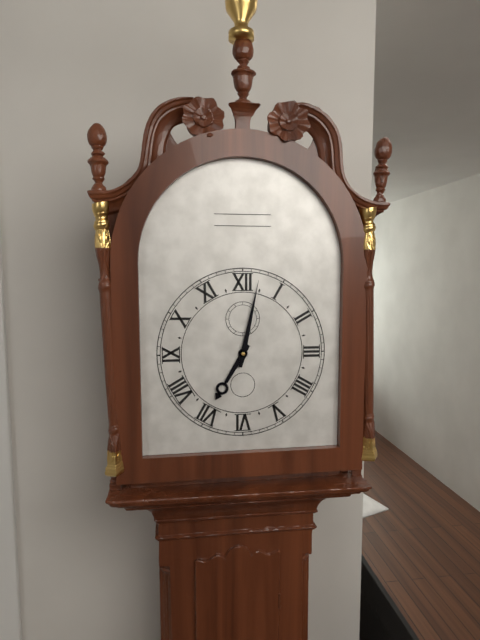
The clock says **7:02**
